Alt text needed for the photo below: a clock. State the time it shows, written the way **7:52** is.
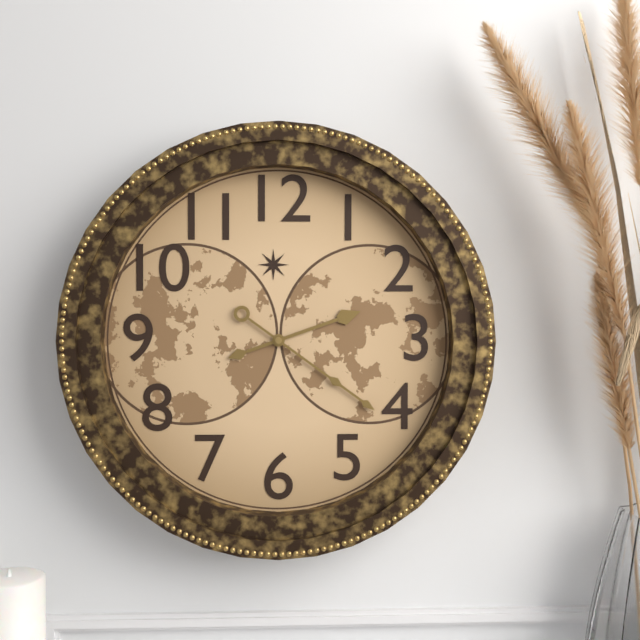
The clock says **2:21**
